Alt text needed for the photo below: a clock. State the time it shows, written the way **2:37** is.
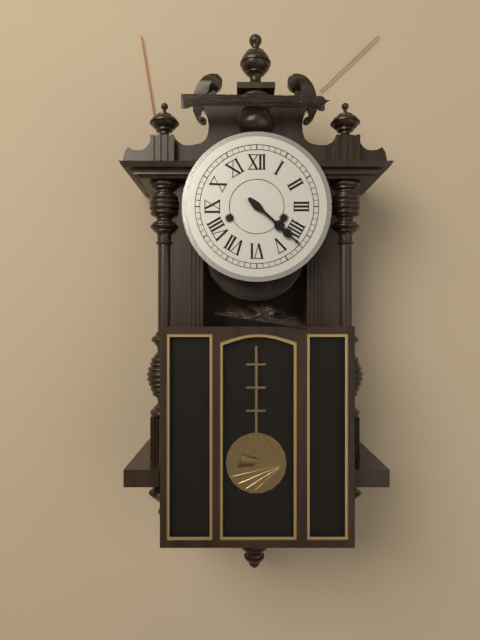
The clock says **4:22**
